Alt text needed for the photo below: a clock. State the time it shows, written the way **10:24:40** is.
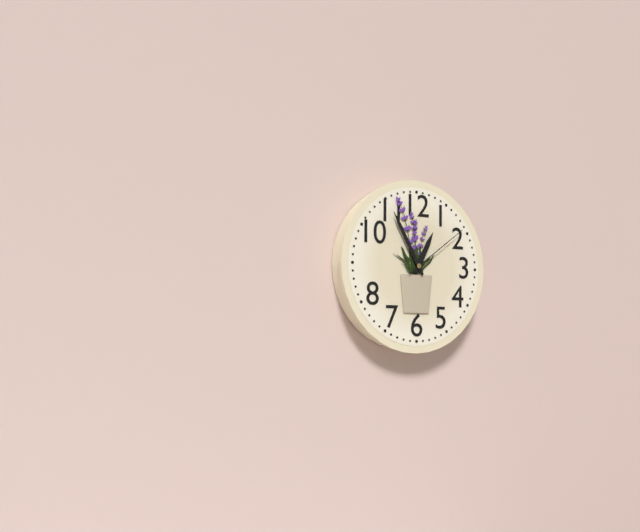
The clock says **12:55:09**
